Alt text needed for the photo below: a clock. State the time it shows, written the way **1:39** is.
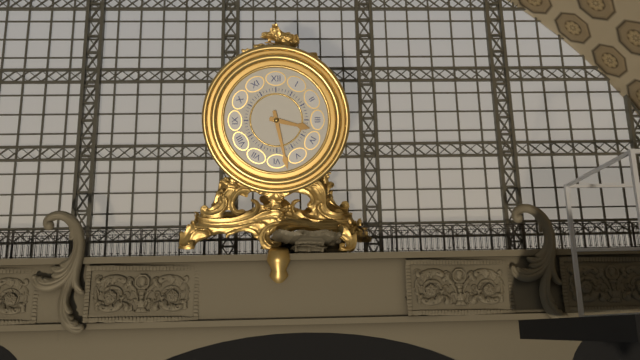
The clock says **3:28**
